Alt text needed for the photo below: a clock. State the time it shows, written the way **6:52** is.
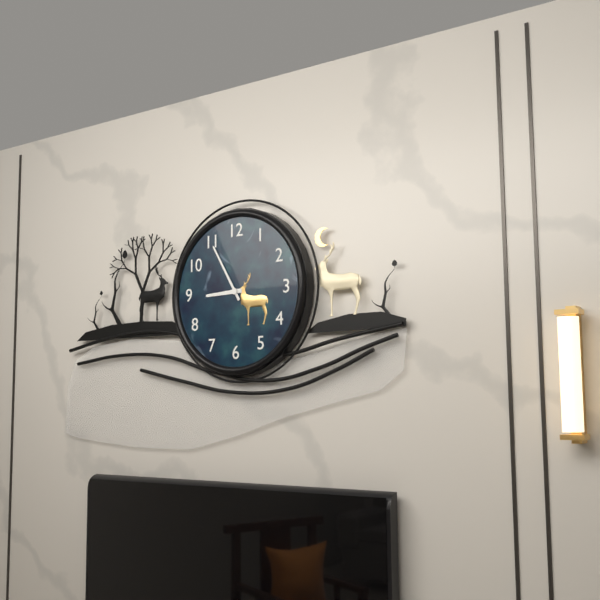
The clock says **8:55**
